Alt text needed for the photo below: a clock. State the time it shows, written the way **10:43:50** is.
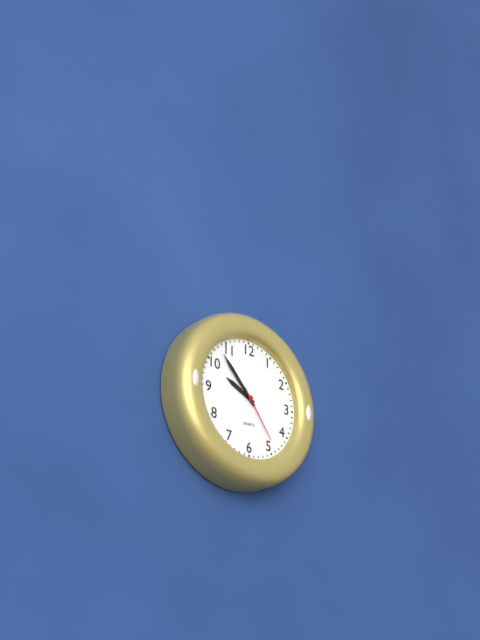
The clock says **9:53:24**
